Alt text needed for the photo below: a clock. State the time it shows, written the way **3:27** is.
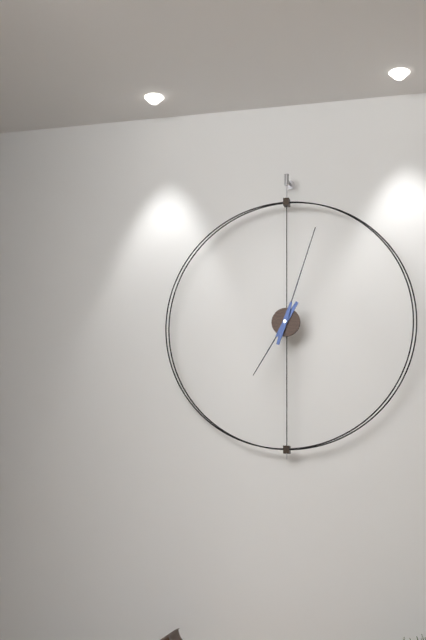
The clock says **7:03**
